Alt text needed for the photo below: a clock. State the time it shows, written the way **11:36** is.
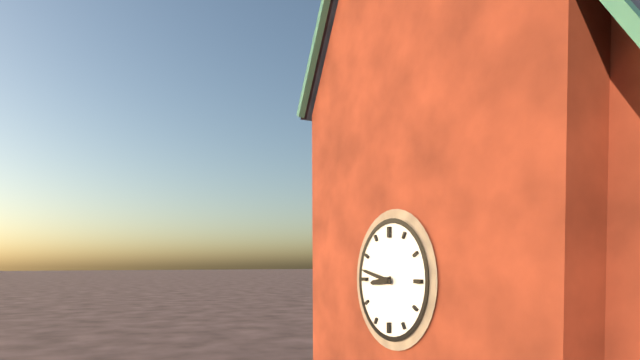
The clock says **8:47**
